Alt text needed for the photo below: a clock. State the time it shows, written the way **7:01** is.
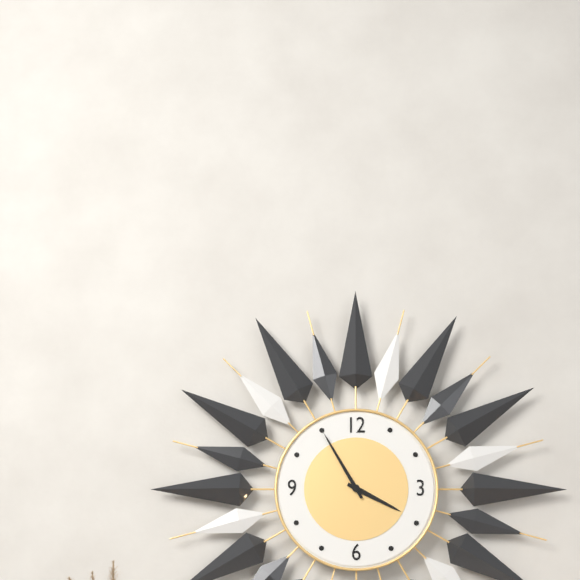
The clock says **3:55**
